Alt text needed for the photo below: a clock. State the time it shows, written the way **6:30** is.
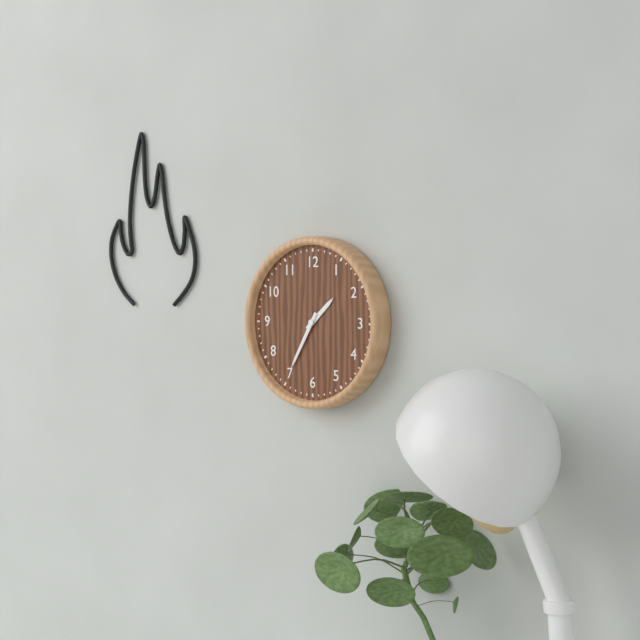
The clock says **1:35**
